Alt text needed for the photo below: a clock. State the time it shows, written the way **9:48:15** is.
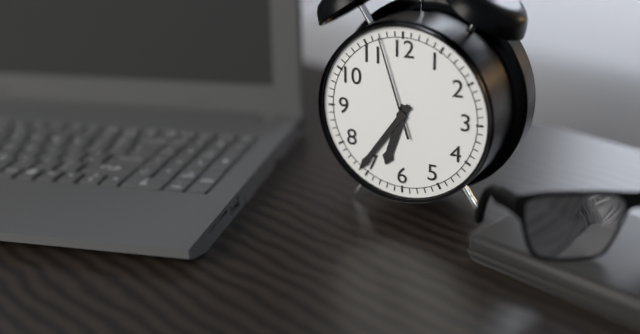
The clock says **6:36:57**
